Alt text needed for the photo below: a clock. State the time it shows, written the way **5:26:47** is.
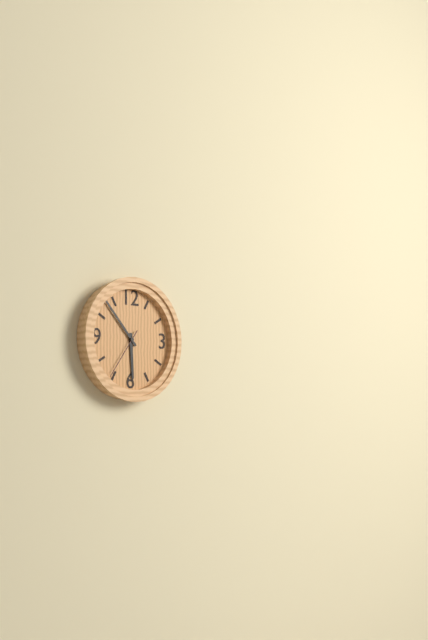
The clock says **5:53:36**
